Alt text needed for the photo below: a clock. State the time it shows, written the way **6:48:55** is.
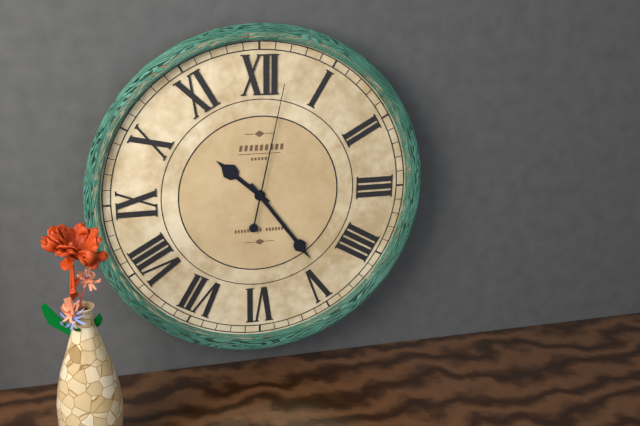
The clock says **10:24:02**
